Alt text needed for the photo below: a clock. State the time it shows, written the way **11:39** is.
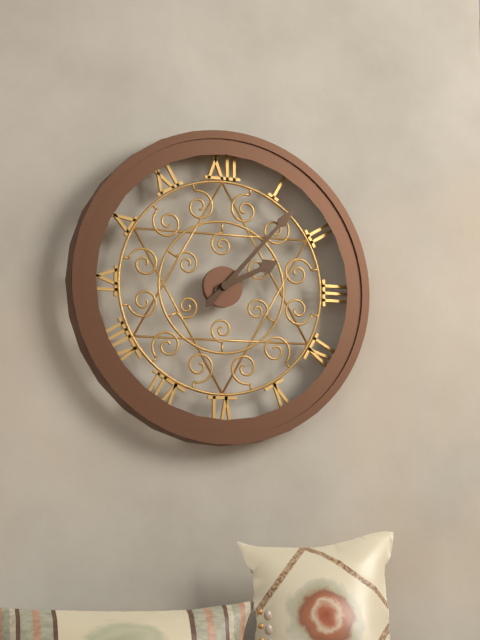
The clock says **2:07**
